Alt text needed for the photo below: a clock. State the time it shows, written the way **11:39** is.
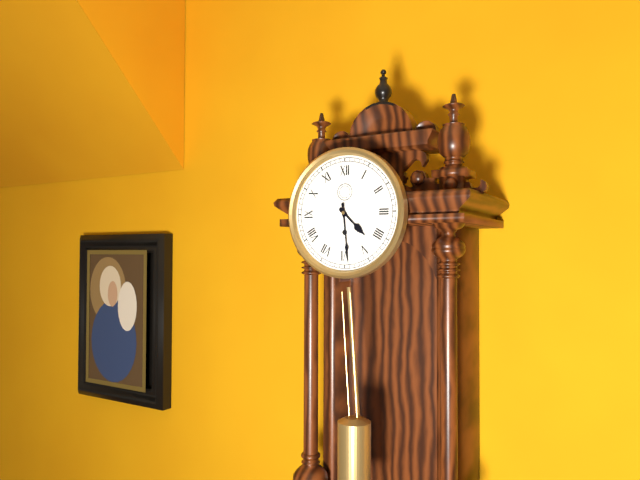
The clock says **4:29**
